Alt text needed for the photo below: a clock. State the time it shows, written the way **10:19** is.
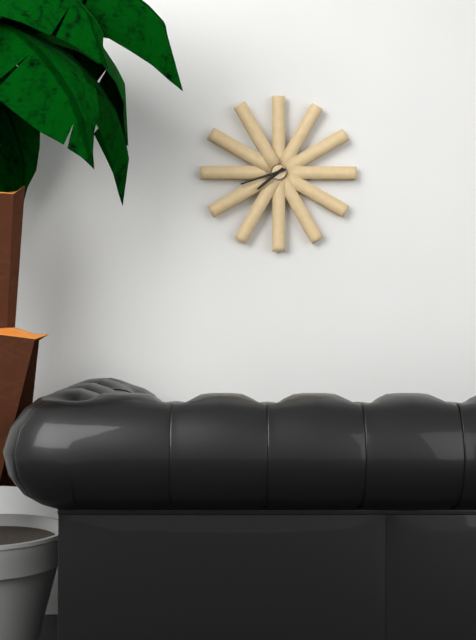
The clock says **7:42**
